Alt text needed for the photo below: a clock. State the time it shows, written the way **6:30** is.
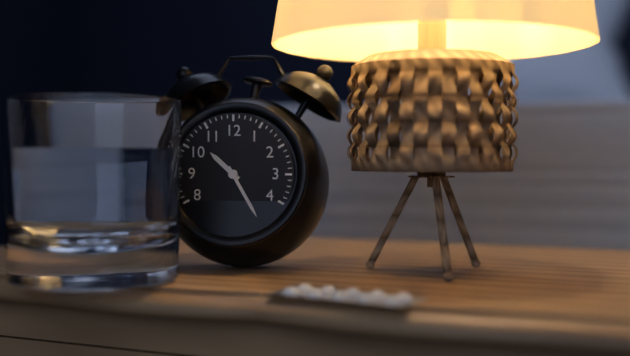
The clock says **10:25**
